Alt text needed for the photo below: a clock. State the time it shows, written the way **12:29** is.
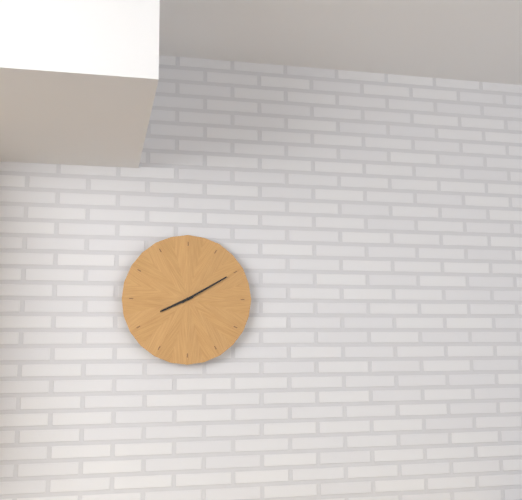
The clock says **8:10**
